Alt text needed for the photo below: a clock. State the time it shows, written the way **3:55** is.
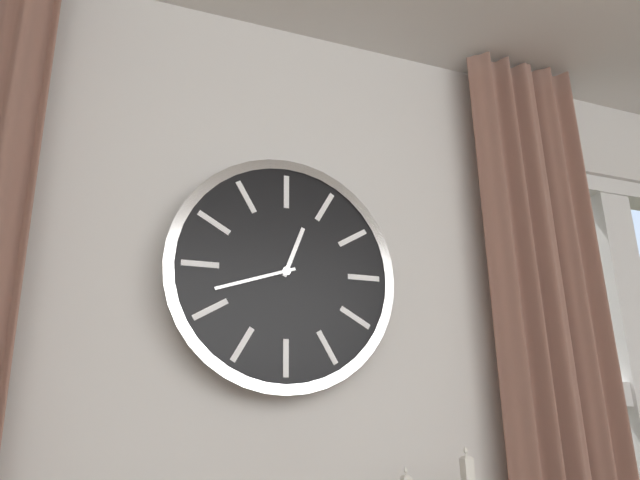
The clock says **12:42**
